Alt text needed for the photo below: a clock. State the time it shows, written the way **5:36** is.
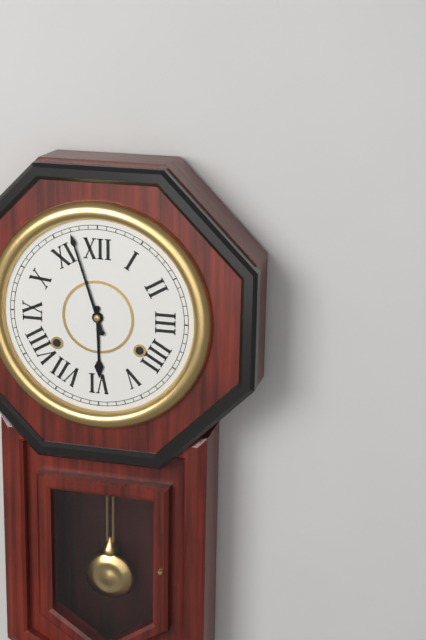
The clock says **5:57**
